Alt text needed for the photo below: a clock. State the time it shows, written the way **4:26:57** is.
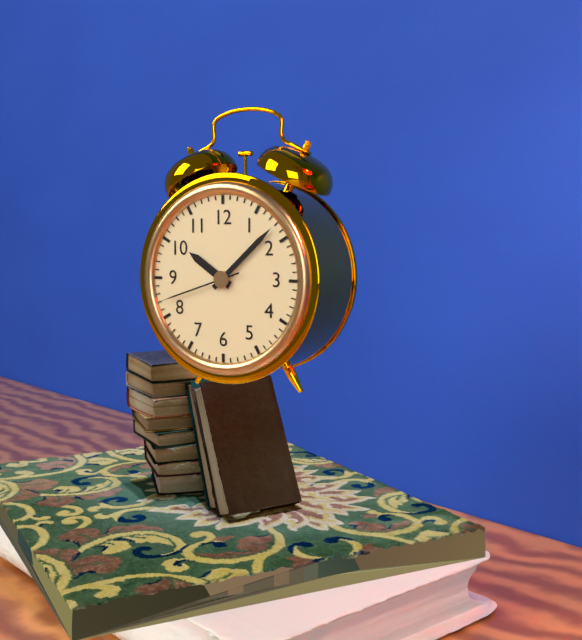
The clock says **10:08:42**
